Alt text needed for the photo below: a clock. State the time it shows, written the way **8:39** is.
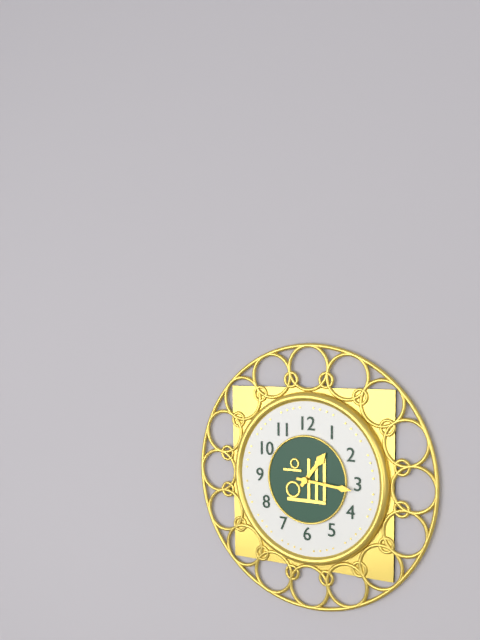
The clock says **1:16**
